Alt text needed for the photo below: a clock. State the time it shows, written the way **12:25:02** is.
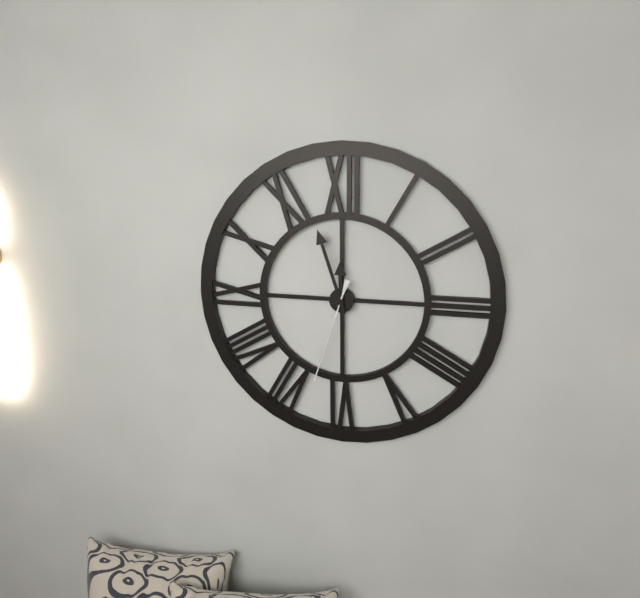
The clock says **11:57:33**
